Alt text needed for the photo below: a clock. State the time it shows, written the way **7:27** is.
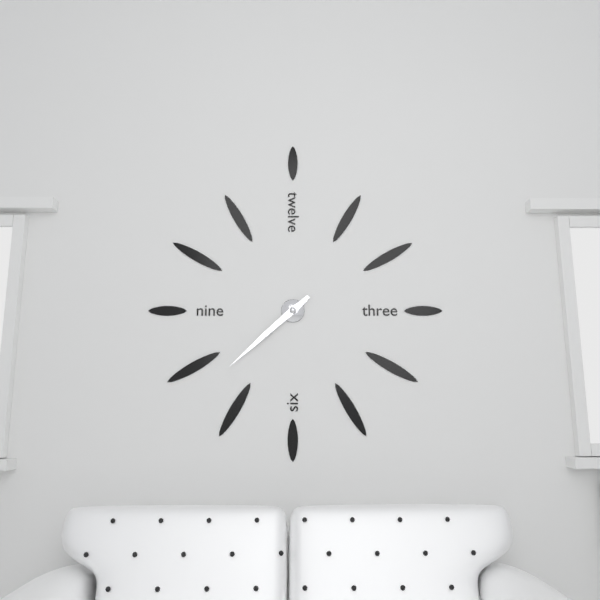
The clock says **7:38**
